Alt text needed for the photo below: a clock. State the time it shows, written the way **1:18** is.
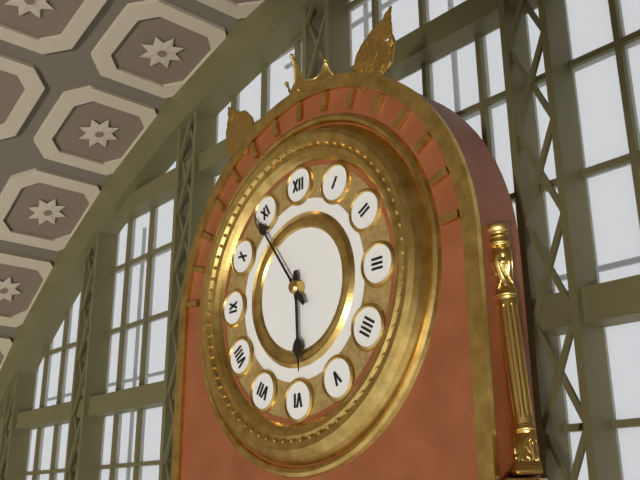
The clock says **5:54**
